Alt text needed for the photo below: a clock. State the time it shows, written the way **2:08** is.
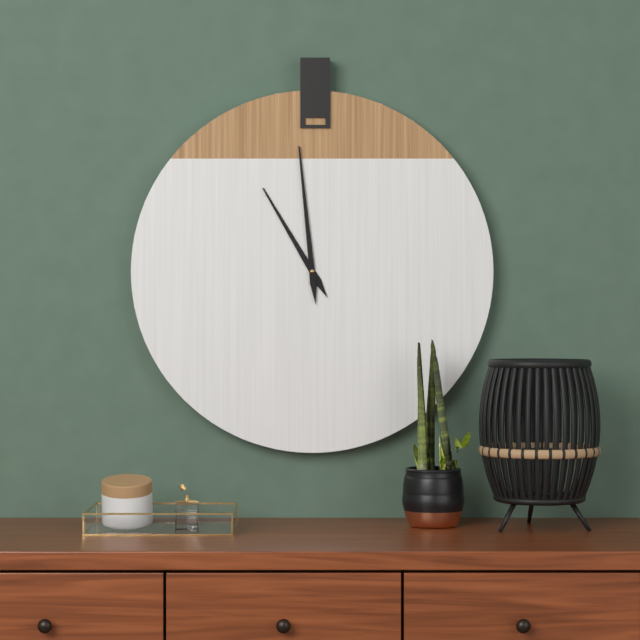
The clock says **10:59**
